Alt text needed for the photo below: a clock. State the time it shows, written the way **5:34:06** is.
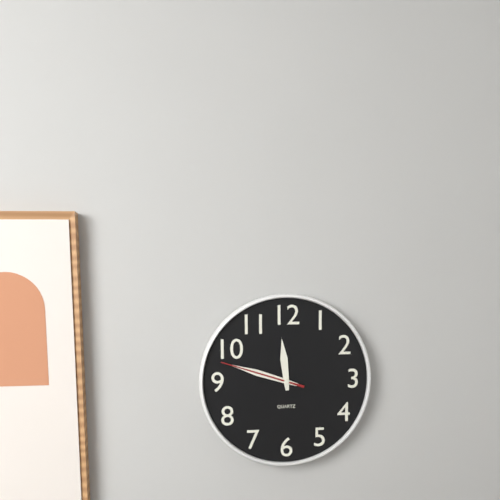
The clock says **11:48:48**
